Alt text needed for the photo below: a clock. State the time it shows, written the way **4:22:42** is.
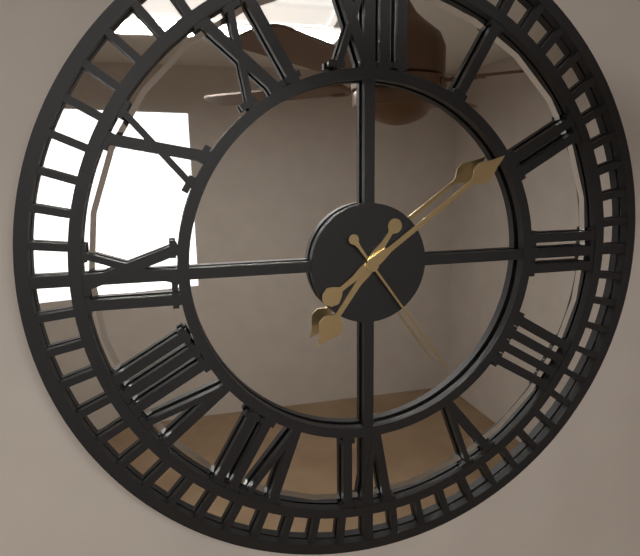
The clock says **7:09:24**
